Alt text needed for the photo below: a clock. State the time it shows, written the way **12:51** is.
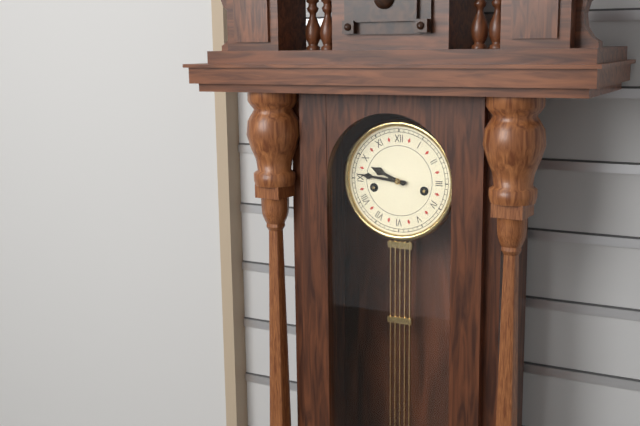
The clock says **9:46**
